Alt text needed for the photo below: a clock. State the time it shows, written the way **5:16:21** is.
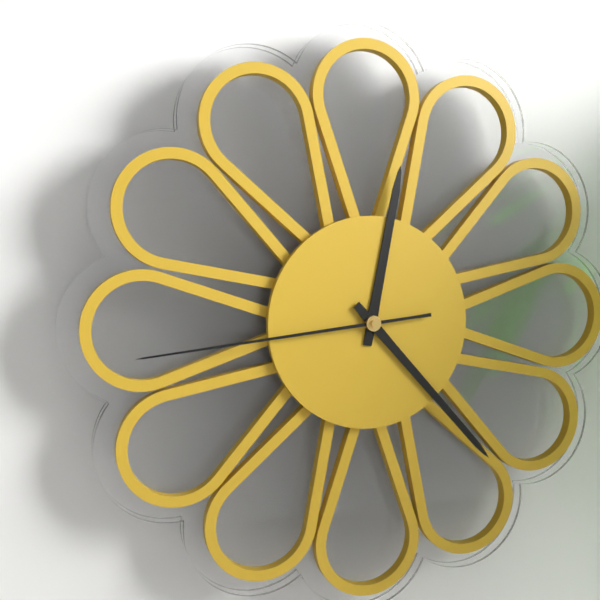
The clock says **12:23:44**
